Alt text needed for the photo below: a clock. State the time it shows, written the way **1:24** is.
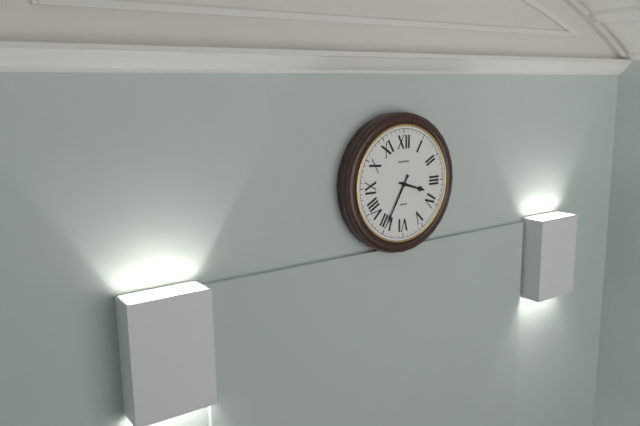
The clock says **3:35**
